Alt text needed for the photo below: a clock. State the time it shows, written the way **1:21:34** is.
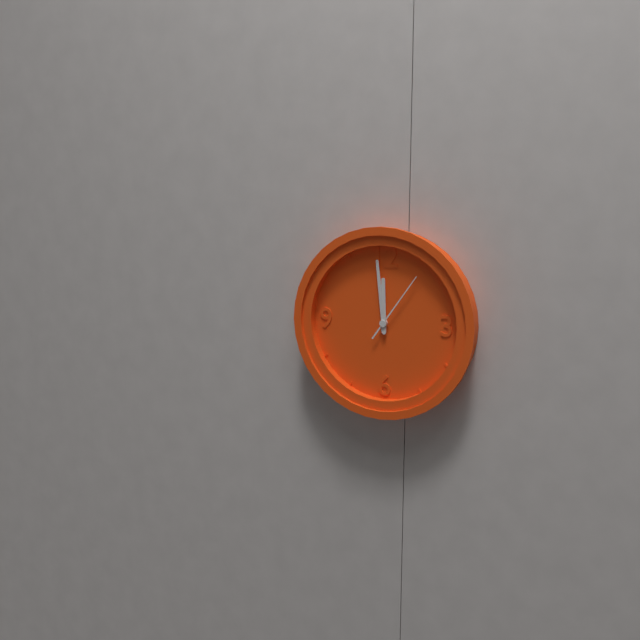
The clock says **11:59:06**
